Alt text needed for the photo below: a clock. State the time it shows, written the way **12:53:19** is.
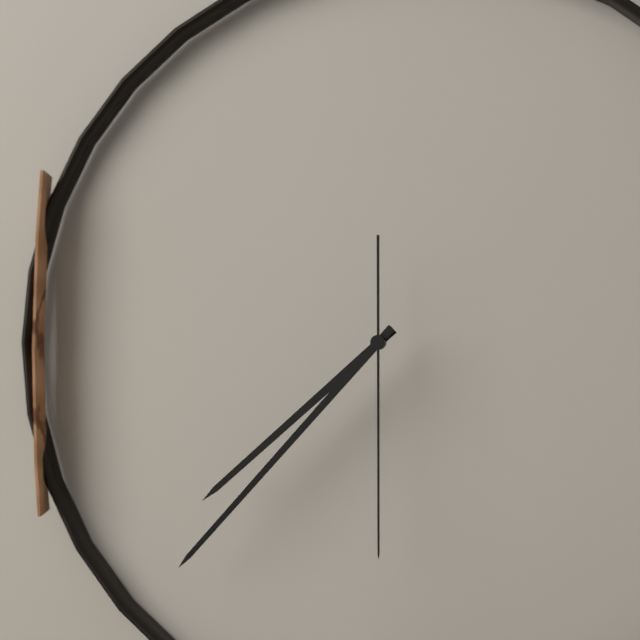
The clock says **7:37:30**
